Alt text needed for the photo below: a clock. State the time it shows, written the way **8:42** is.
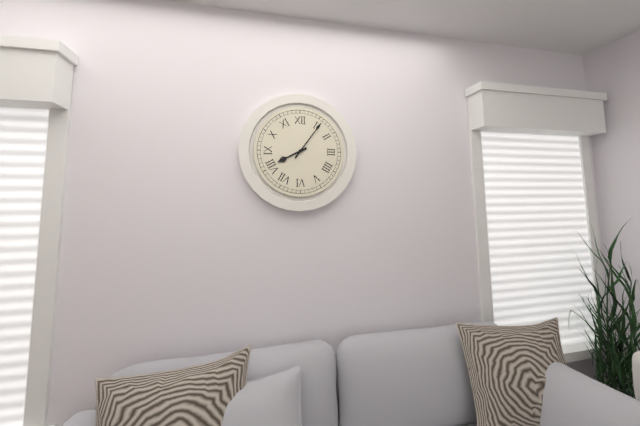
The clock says **8:06**
